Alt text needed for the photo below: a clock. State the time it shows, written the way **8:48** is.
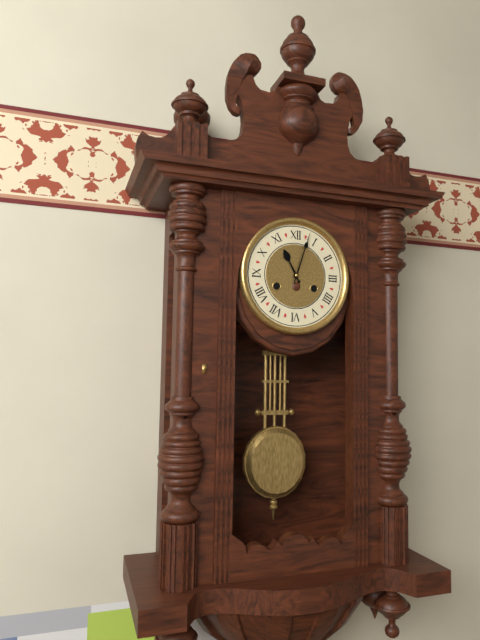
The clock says **11:03**
